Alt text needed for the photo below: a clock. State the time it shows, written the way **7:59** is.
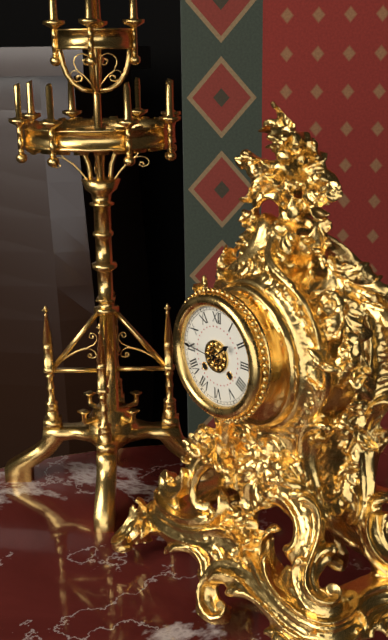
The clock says **1:46**
